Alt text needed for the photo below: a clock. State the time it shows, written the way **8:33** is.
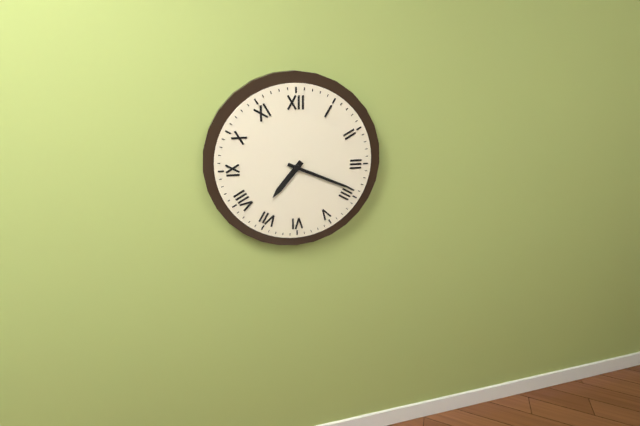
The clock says **7:19**
